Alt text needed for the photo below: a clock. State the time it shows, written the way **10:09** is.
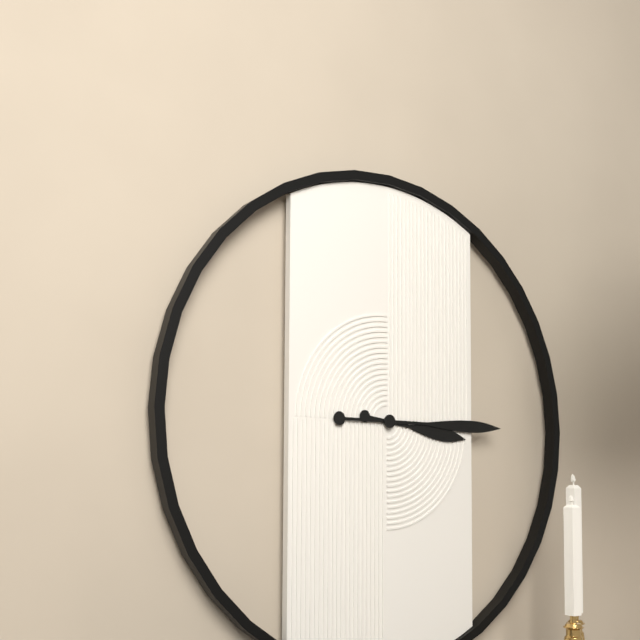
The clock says **3:15**
